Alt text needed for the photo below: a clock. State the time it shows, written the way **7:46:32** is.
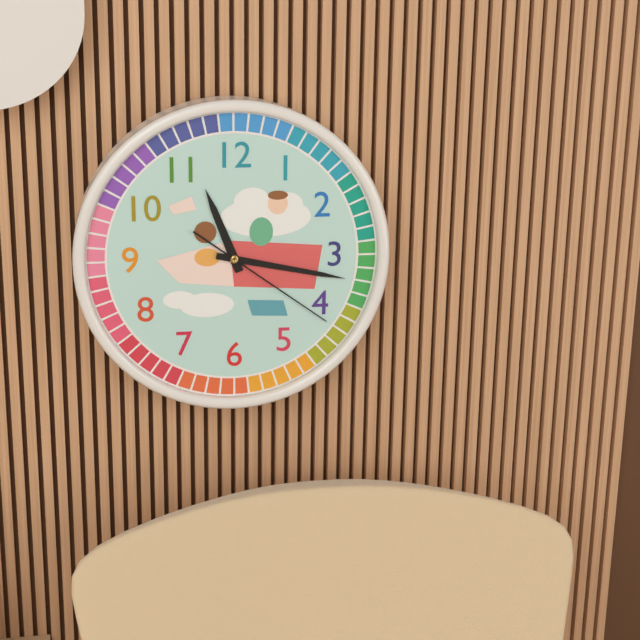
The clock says **11:17:21**
